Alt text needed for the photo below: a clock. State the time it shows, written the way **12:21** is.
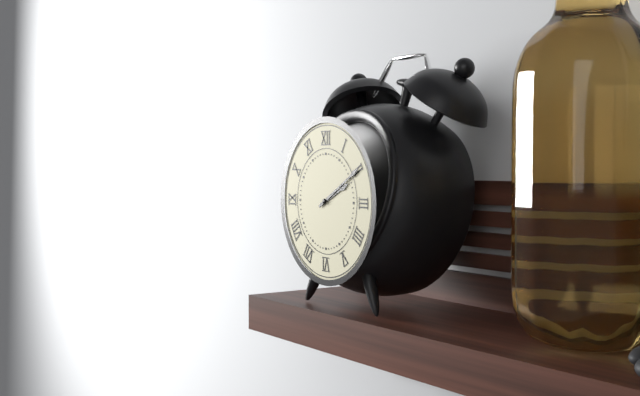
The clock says **2:10**
